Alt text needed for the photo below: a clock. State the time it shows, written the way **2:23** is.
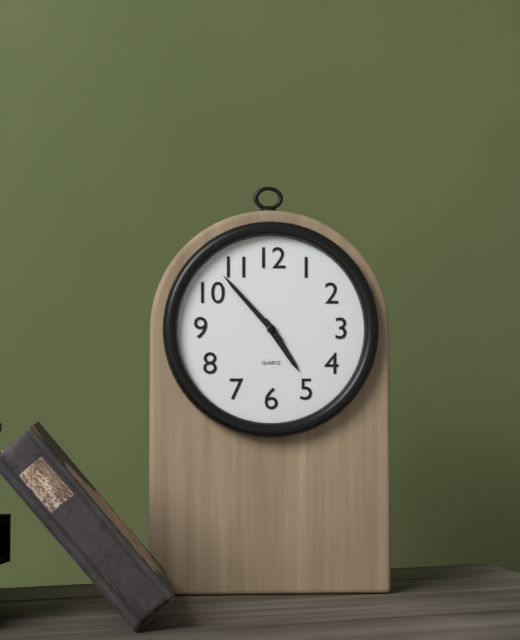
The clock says **4:53**
